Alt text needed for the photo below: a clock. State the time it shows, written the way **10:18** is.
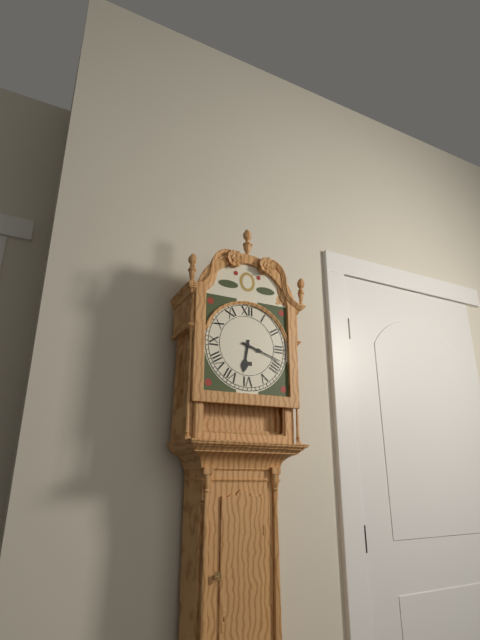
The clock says **6:18**
